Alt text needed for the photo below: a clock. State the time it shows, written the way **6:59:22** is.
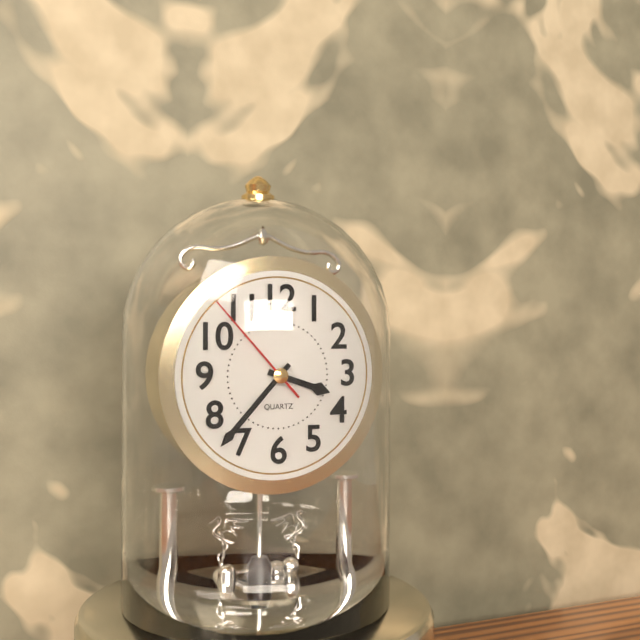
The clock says **3:37:53**
